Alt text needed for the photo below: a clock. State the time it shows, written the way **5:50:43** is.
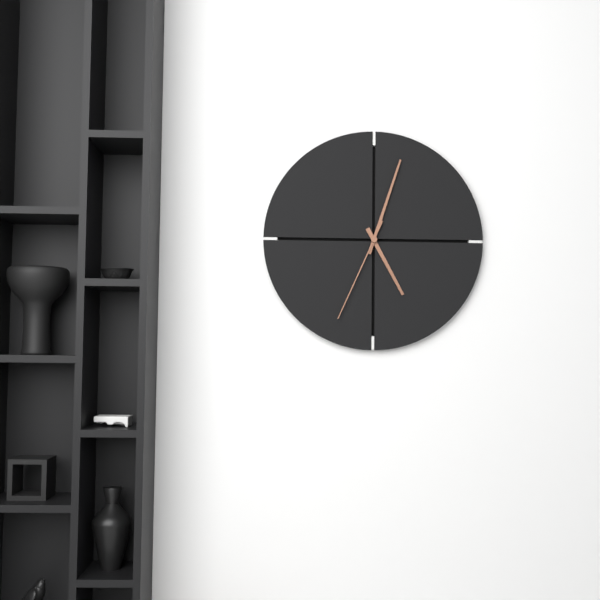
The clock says **5:03:34**
